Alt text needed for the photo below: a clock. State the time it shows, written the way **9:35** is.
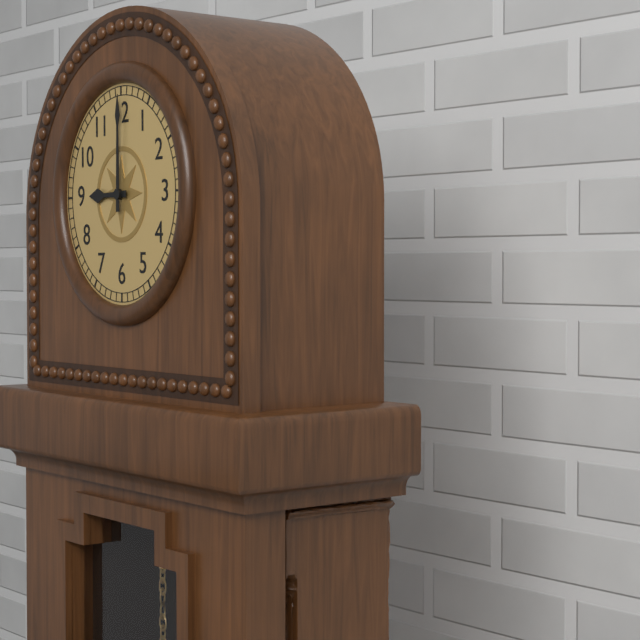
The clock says **9:00**
